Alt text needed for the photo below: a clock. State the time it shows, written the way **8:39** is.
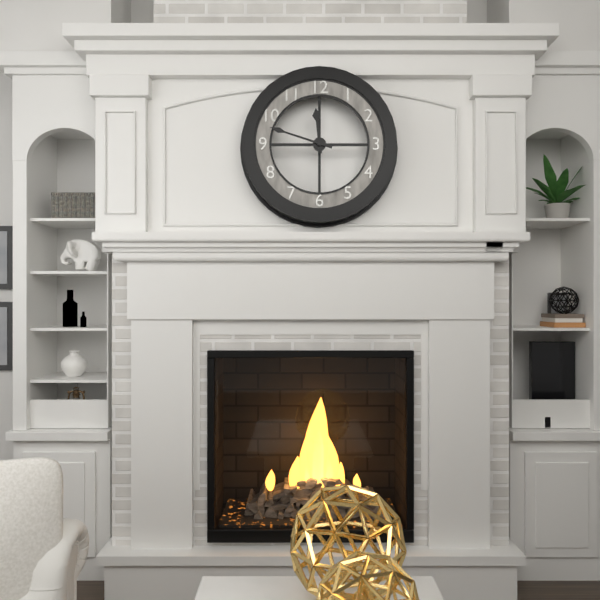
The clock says **11:48**
